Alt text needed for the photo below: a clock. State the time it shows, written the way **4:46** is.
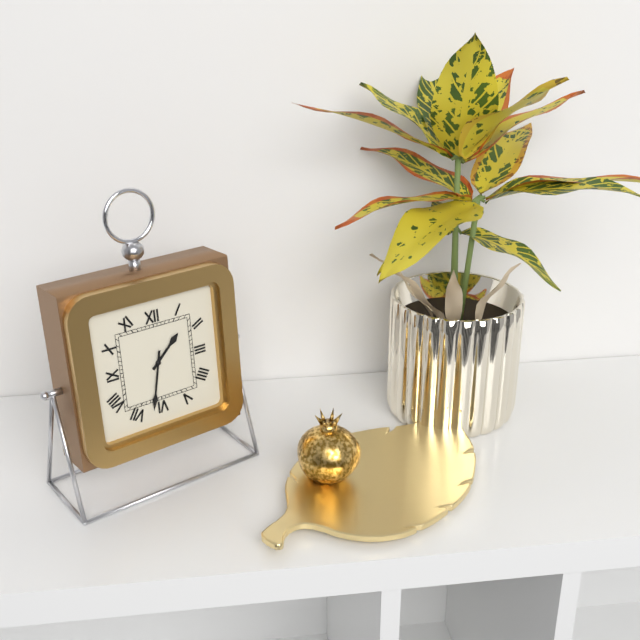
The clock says **1:32**
